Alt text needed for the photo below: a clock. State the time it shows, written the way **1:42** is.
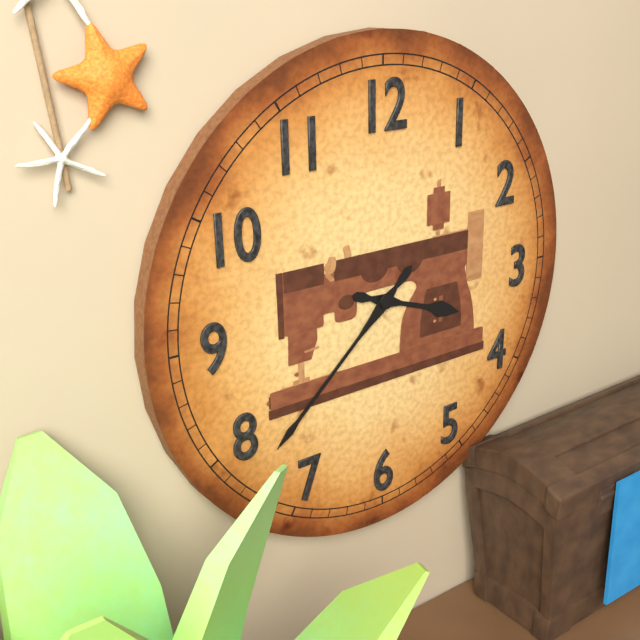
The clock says **3:38**
